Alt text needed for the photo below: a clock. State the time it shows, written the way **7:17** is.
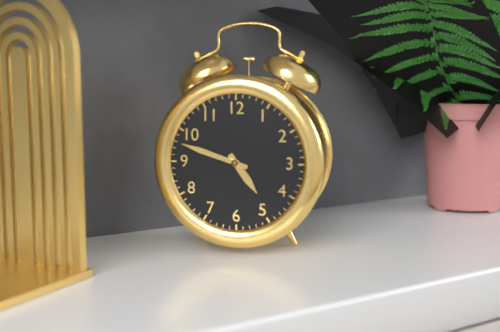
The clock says **4:48**
